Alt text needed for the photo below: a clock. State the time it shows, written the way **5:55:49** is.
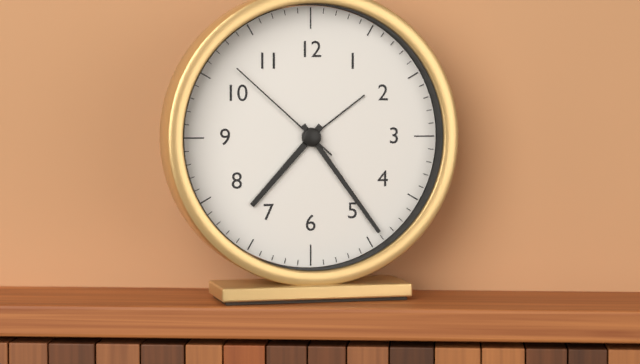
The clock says **7:24:52**
